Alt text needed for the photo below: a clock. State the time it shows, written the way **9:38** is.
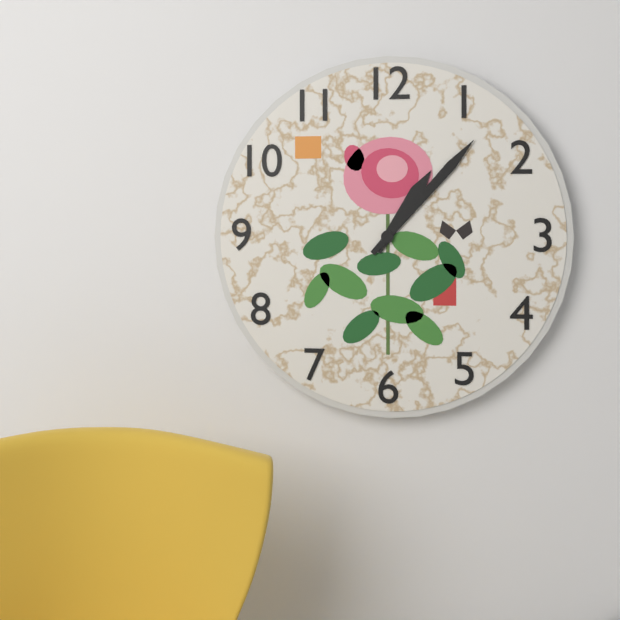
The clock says **1:07**
